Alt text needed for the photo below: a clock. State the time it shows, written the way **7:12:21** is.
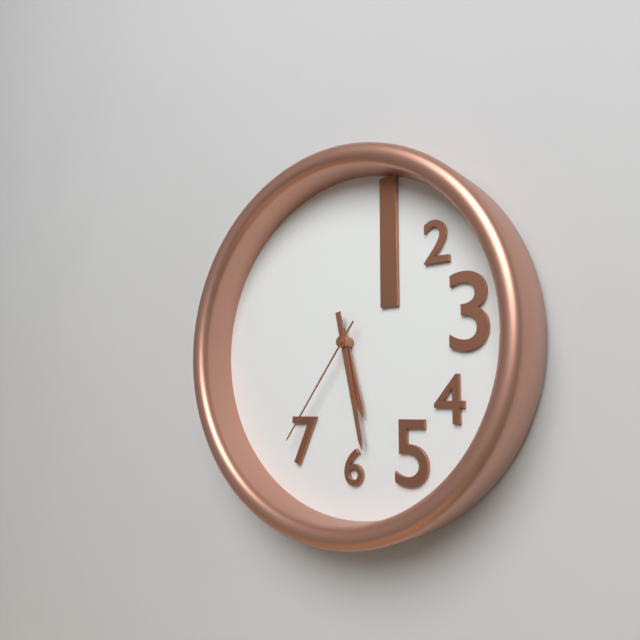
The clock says **5:28:36**
